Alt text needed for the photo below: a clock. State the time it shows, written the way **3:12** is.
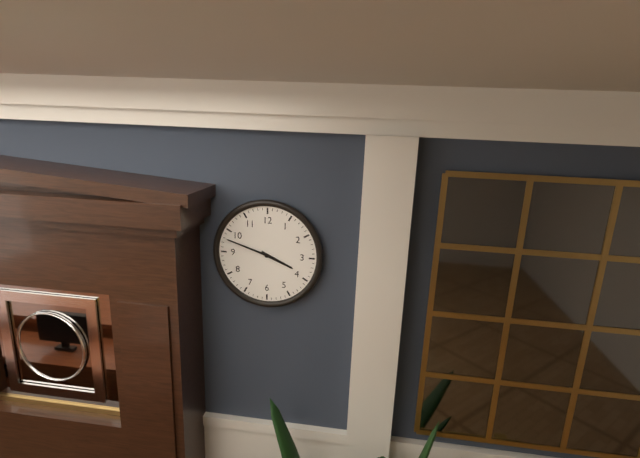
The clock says **3:48**
